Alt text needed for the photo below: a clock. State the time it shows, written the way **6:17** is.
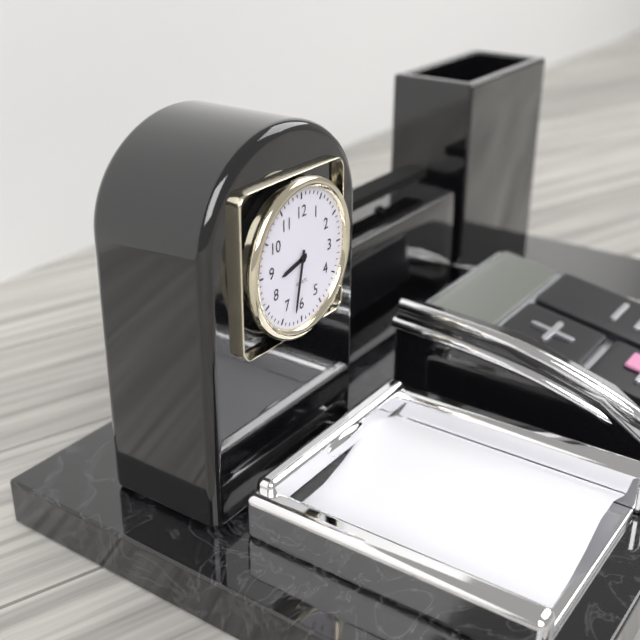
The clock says **8:32**
